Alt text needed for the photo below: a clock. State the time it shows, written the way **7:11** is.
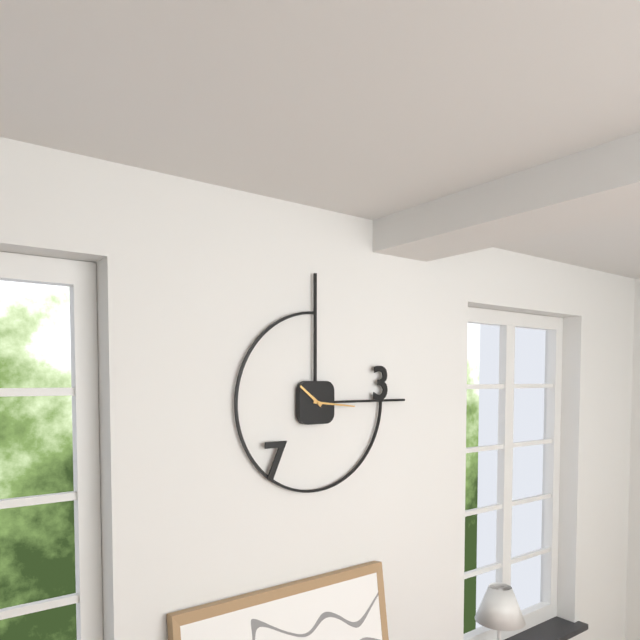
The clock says **10:16**
